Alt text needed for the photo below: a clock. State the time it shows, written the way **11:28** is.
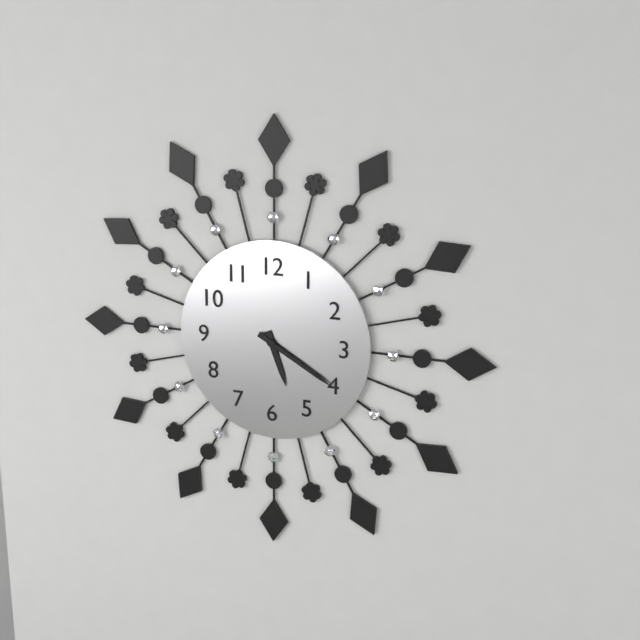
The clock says **5:20**
